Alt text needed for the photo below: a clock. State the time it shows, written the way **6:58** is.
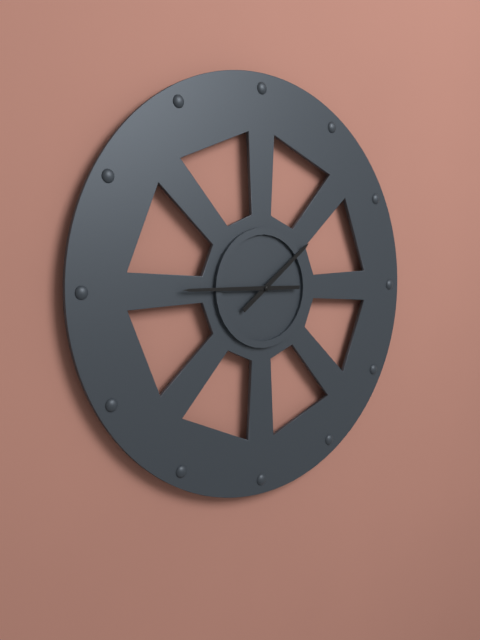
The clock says **1:45**
